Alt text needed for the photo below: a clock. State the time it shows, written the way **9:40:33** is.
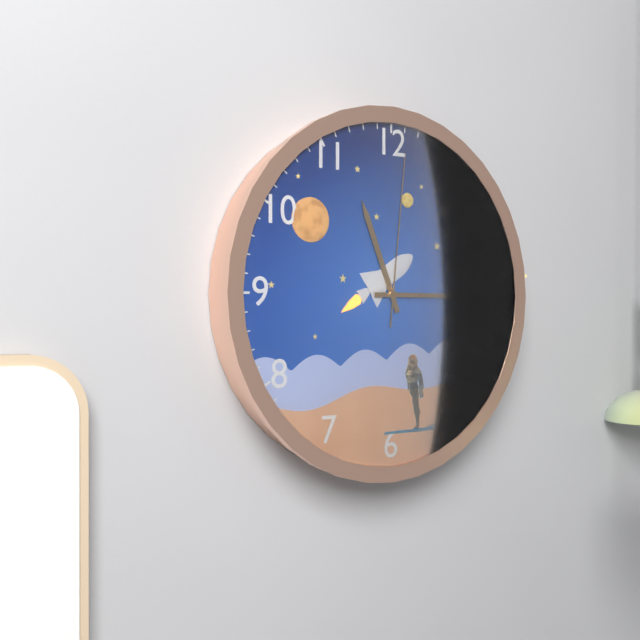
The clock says **11:15:01**
